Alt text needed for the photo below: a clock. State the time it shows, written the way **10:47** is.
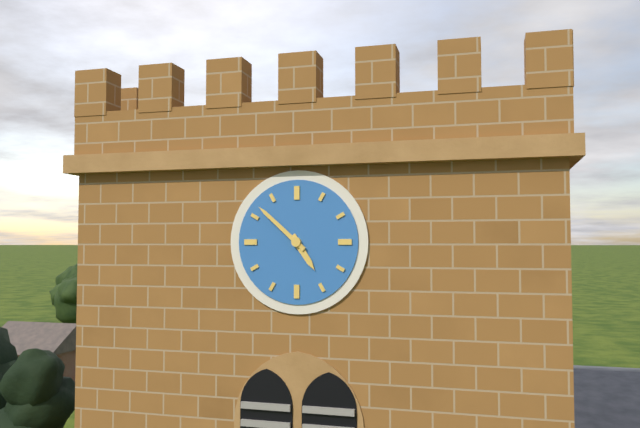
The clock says **4:52**
